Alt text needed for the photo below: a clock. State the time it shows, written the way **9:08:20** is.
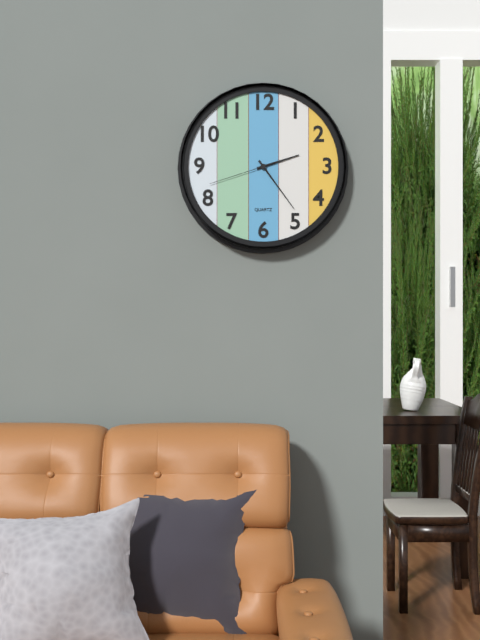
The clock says **2:24:42**
